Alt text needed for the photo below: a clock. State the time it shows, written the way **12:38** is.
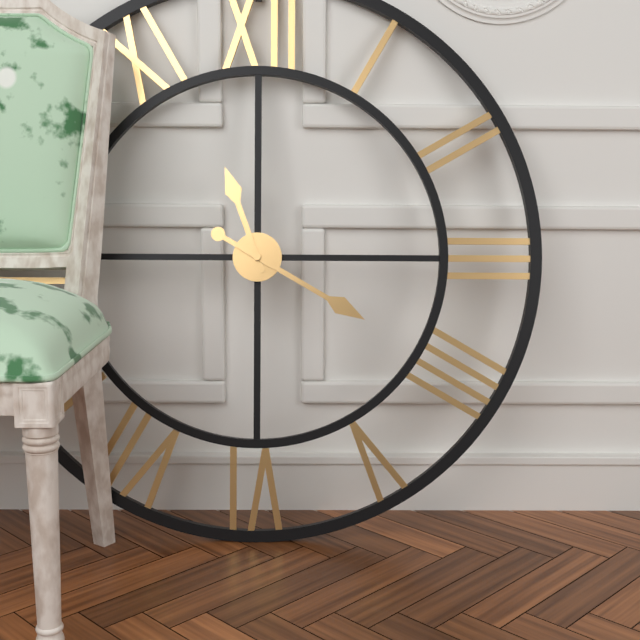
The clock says **11:20**
